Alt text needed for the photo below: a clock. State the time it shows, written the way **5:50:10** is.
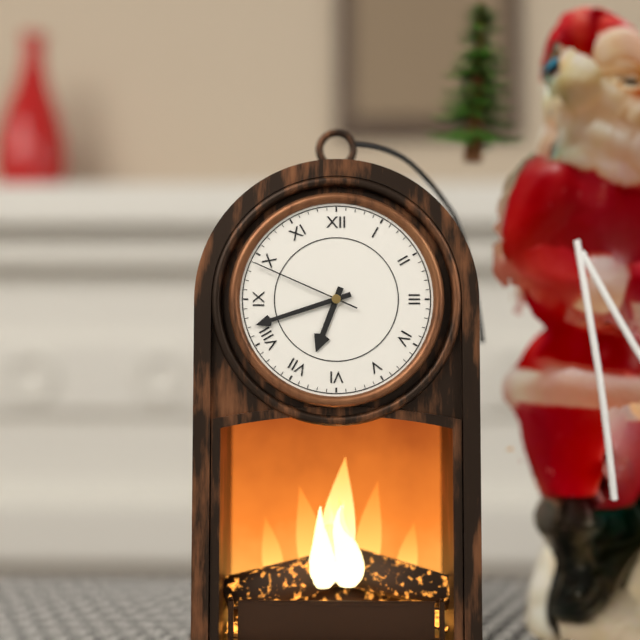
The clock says **6:42:49**
